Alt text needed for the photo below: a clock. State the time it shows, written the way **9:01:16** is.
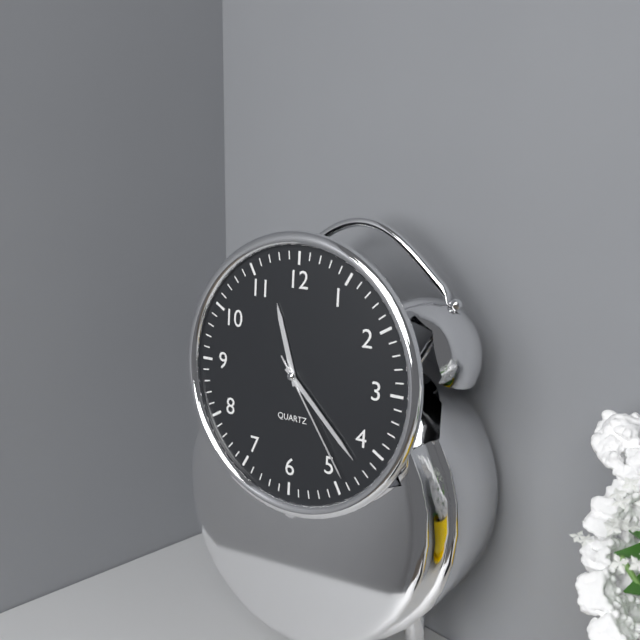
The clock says **11:22:24**
